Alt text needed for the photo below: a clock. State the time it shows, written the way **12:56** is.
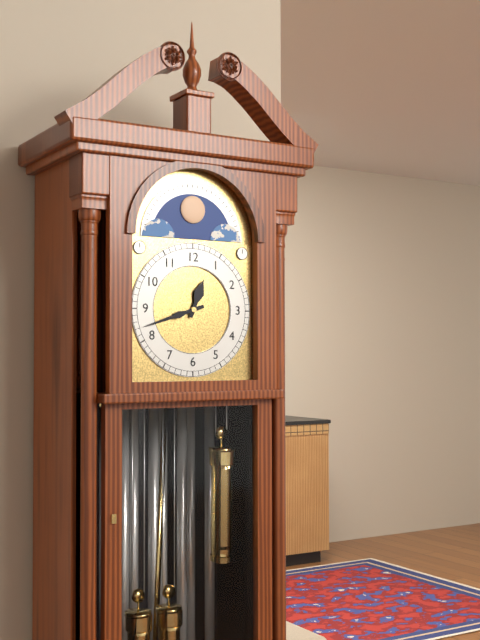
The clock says **12:42**
